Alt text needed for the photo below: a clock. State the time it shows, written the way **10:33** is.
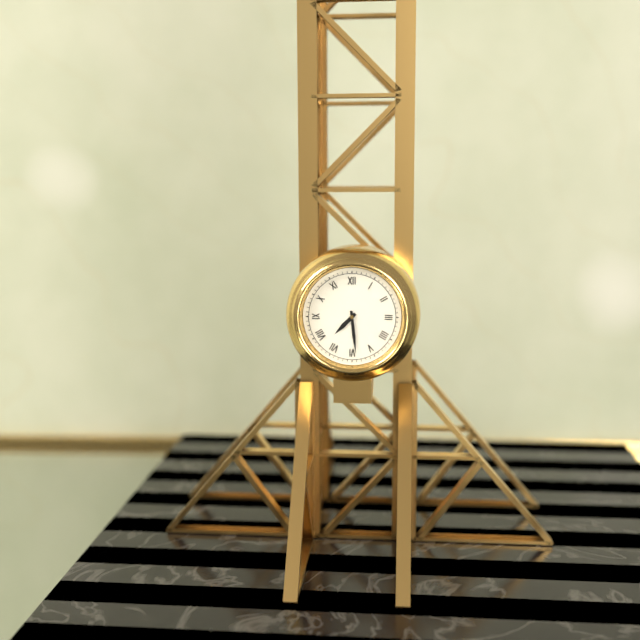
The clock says **7:29**
